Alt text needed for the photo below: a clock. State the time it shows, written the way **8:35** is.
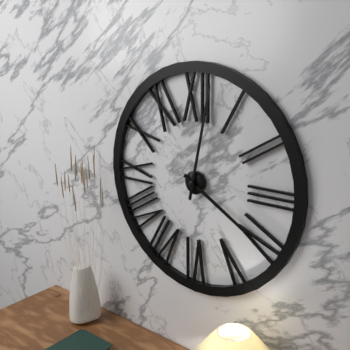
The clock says **4:02**
